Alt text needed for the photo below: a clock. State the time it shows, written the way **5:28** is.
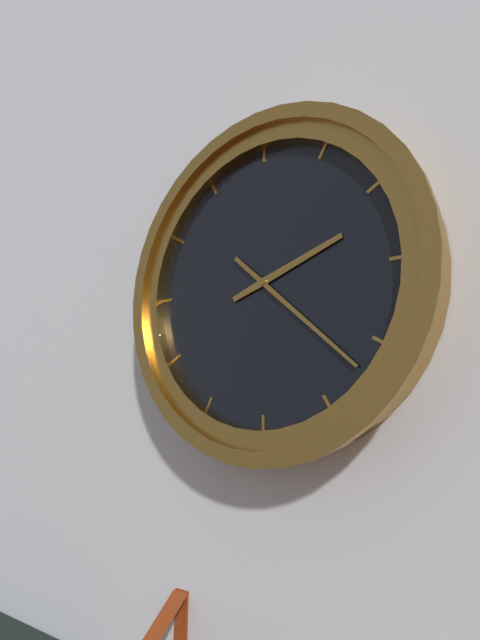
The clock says **2:22**
